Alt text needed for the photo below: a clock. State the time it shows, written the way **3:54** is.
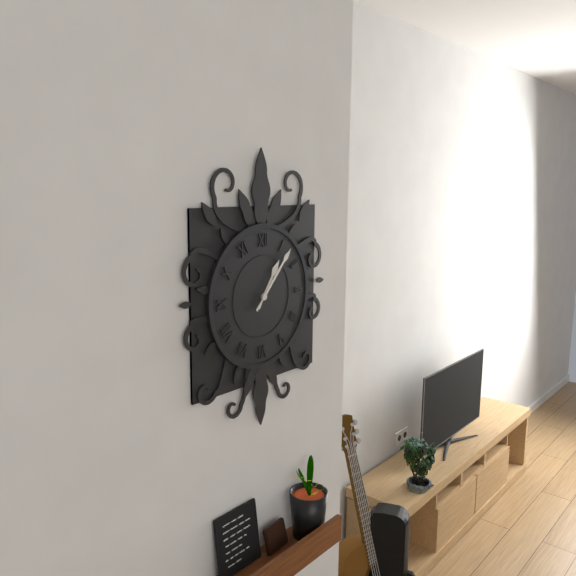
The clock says **1:07**
